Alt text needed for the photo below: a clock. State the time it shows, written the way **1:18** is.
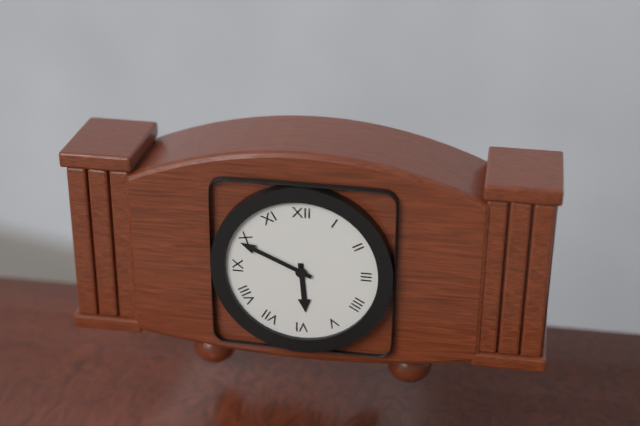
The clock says **5:49**
